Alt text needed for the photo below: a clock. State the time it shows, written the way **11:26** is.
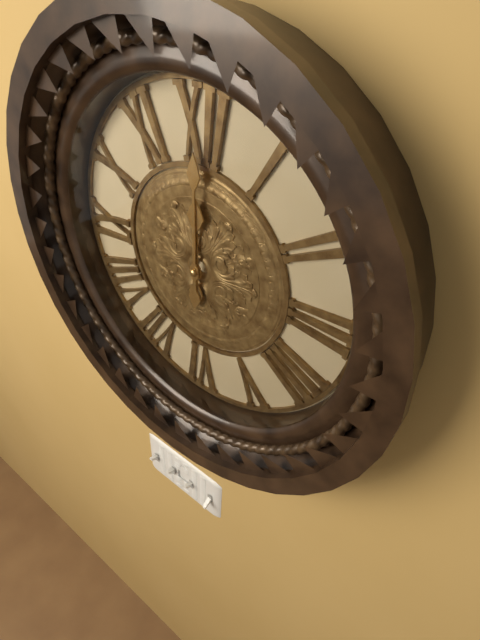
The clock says **12:00**
